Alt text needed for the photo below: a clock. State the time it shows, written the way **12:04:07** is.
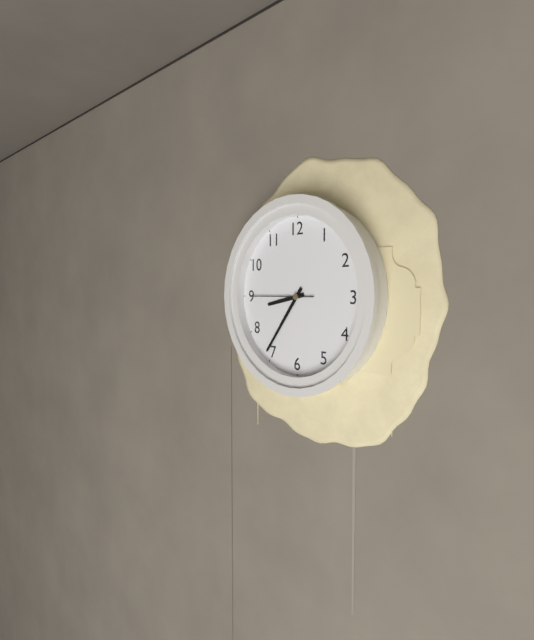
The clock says **8:36:45**
